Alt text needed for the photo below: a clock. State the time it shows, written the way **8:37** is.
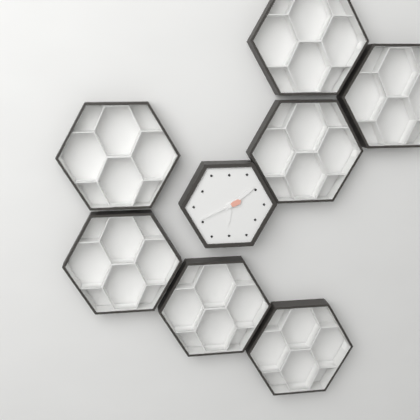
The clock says **6:09**
